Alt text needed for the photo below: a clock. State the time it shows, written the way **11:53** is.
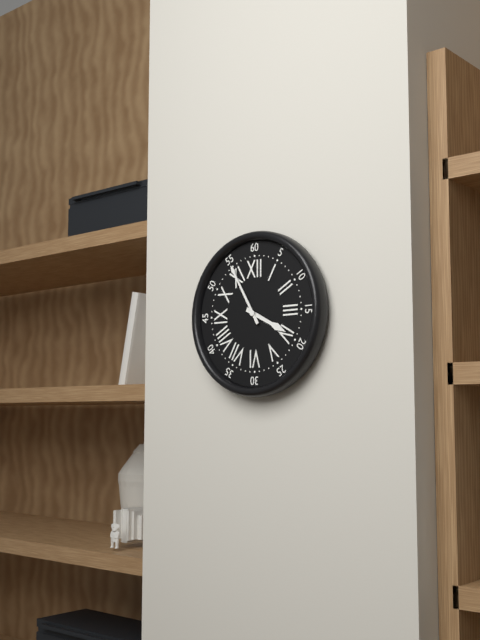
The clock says **3:55**
